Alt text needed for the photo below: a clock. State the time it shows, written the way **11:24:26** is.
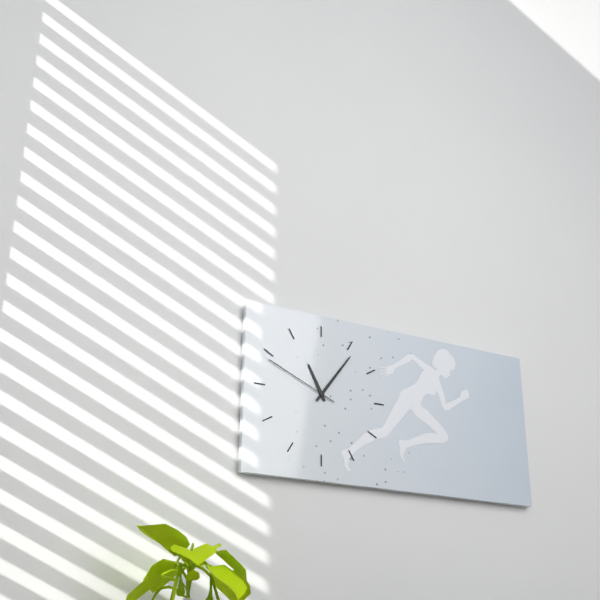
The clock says **11:06:49**
